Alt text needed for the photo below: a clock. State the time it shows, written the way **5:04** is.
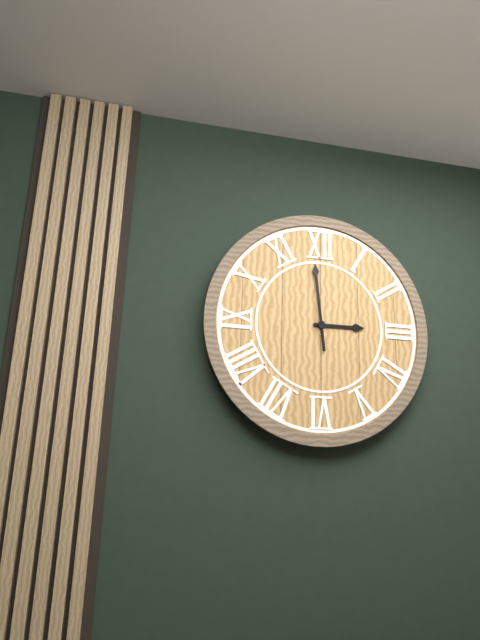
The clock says **2:59**
